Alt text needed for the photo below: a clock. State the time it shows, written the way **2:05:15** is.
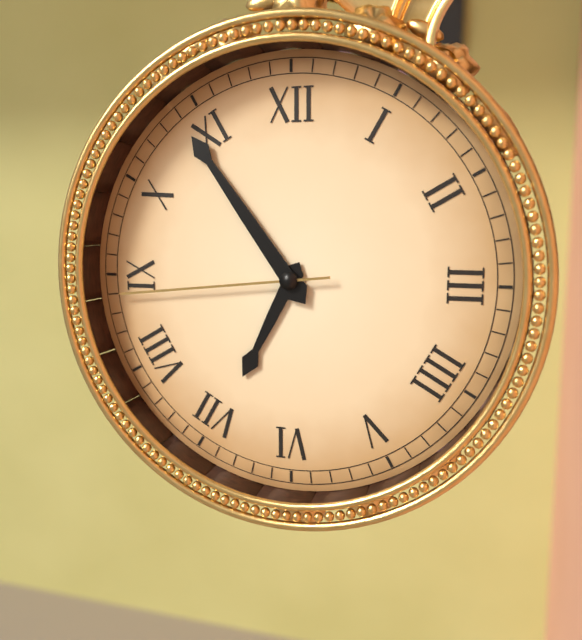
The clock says **6:54:44**
